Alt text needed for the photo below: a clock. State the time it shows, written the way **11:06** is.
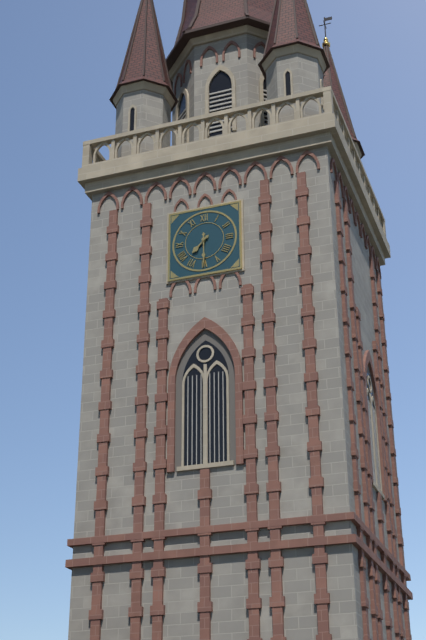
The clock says **7:30**
